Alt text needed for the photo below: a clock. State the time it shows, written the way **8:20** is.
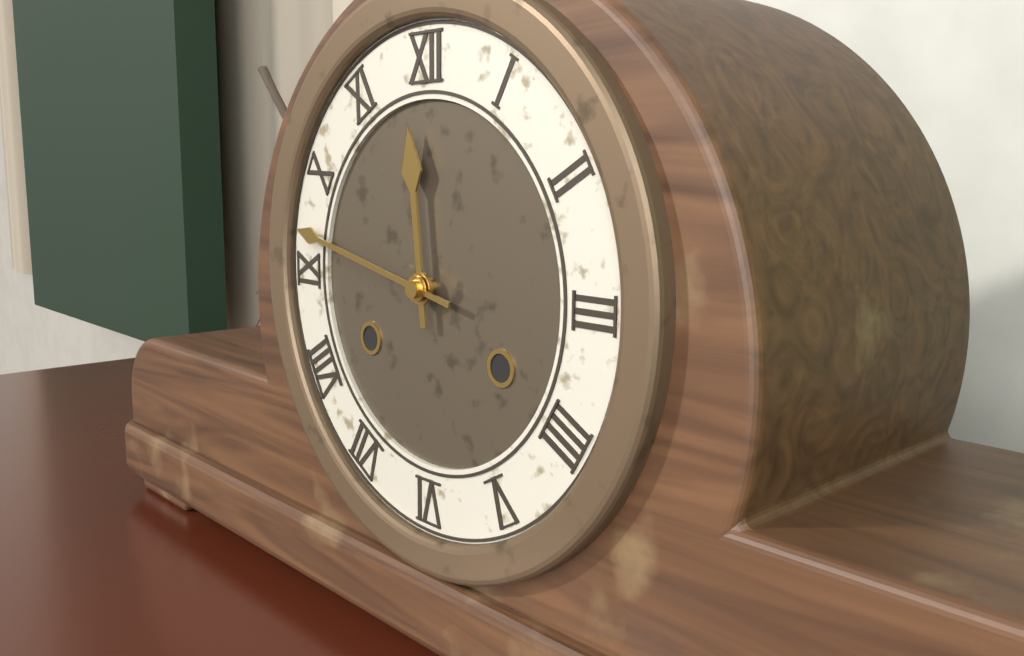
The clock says **11:47**
